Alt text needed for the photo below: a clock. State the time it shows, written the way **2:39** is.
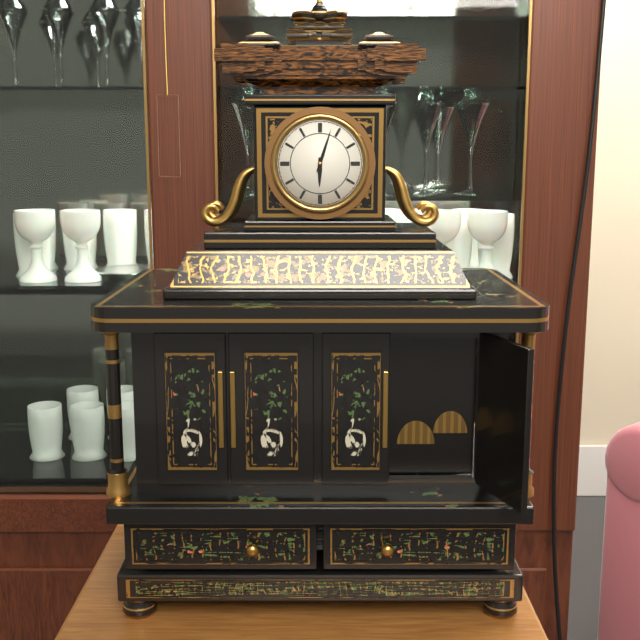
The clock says **6:03**
